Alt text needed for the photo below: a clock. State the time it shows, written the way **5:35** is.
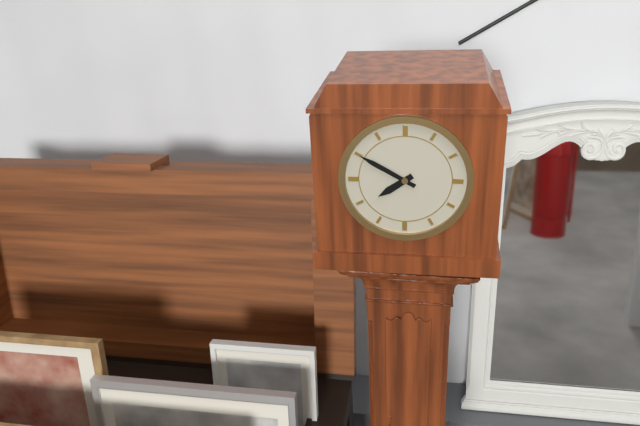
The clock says **7:50**
